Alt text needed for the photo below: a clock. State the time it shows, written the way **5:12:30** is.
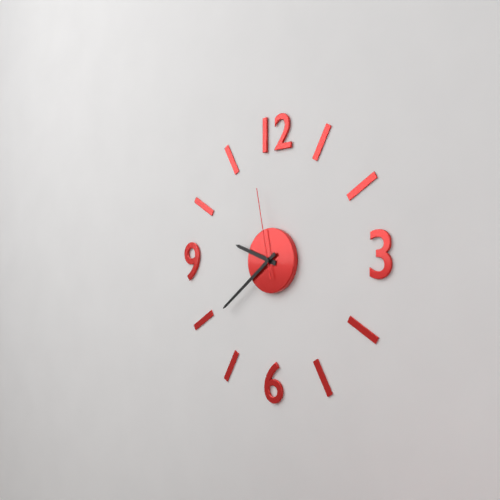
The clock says **9:39:58**
